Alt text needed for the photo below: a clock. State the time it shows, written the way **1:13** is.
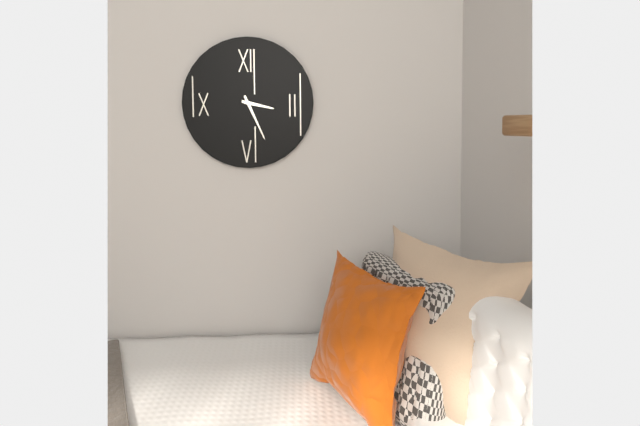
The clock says **3:26**
